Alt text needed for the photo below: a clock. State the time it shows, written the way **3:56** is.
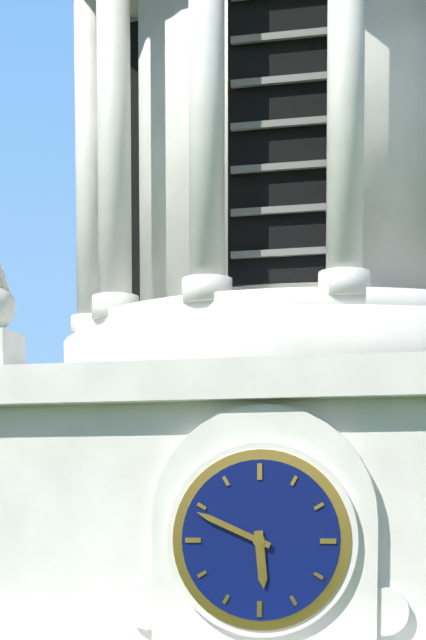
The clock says **5:49**
